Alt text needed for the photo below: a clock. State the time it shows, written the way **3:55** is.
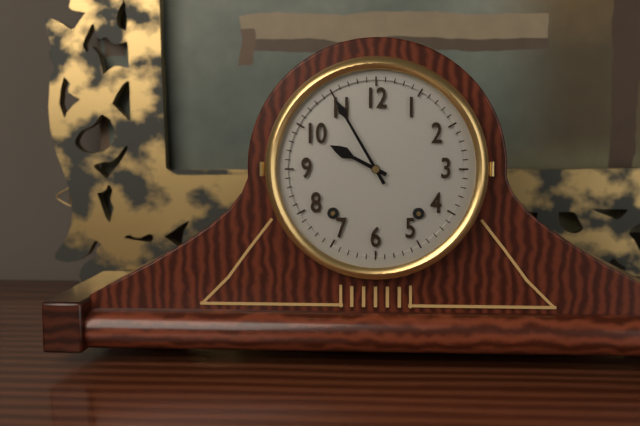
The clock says **9:55**
